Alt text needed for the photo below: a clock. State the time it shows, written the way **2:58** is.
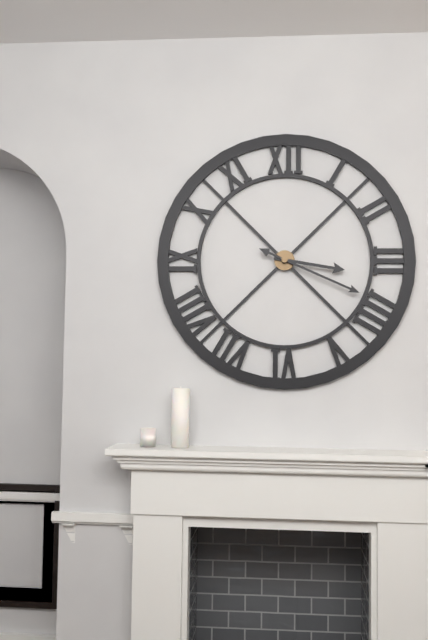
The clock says **3:19**
